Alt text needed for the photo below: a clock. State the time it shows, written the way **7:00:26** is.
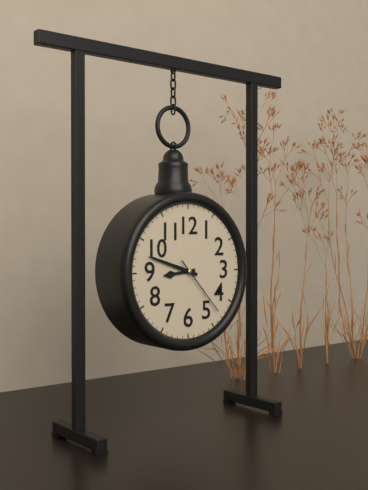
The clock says **8:48:23**
